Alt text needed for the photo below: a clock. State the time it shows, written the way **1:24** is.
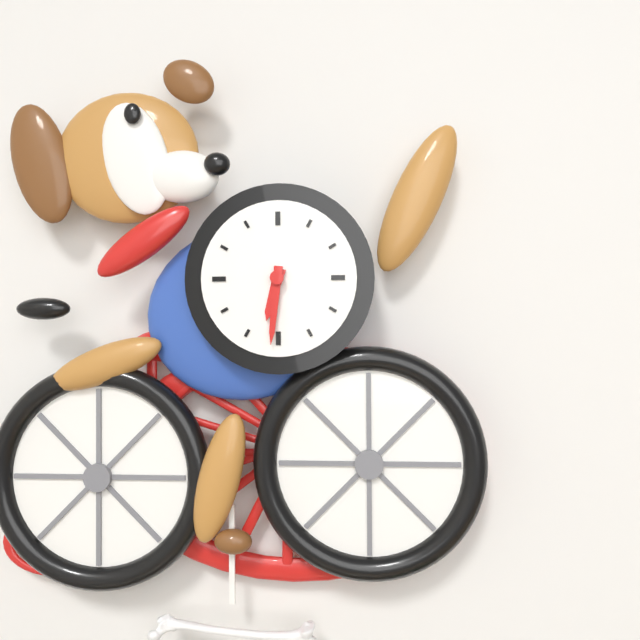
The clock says **6:31**
